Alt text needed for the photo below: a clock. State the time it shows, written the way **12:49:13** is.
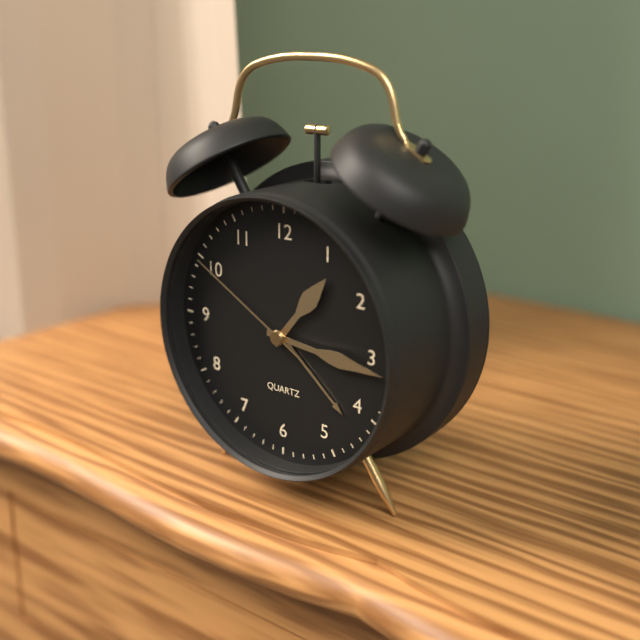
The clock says **1:16:50**
